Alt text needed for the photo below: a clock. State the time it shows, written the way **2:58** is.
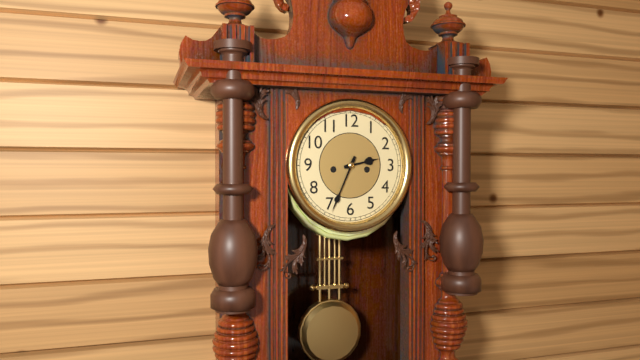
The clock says **2:34**
